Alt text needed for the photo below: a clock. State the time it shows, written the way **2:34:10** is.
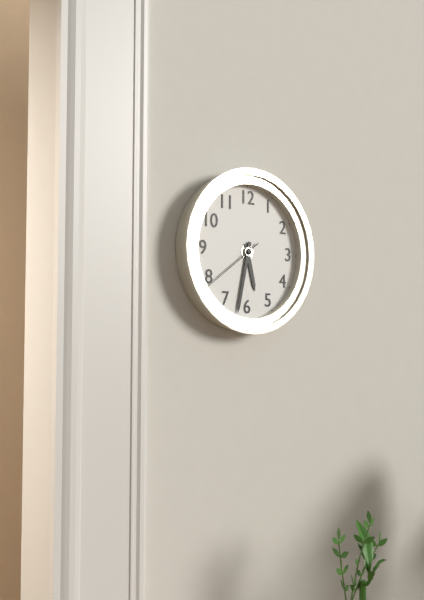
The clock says **5:32:39**
